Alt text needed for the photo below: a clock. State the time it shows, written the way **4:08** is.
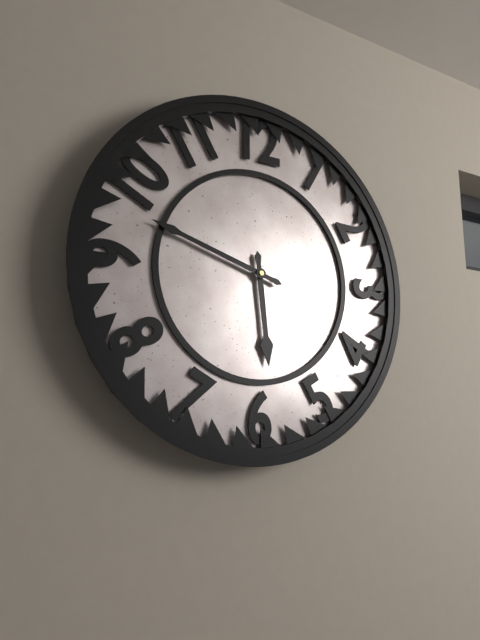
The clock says **5:48**
